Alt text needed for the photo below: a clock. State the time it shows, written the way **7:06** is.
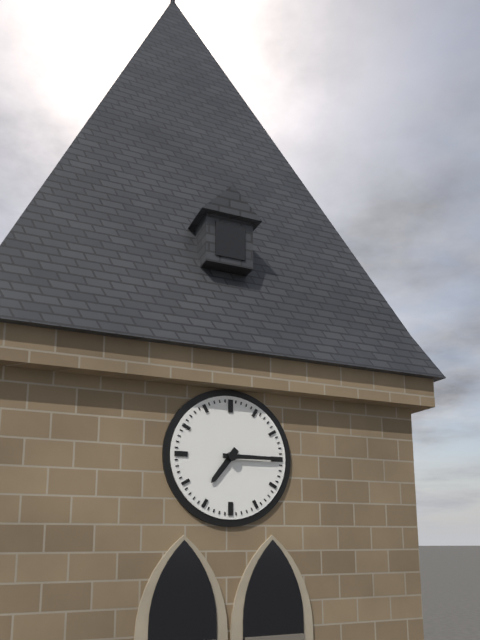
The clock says **7:15**
